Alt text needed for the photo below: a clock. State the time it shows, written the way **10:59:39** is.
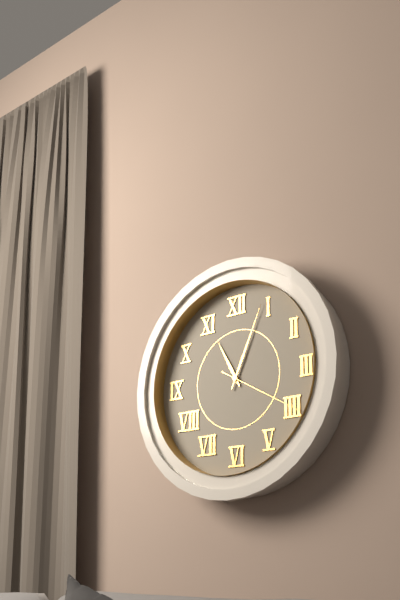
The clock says **11:04:20**
